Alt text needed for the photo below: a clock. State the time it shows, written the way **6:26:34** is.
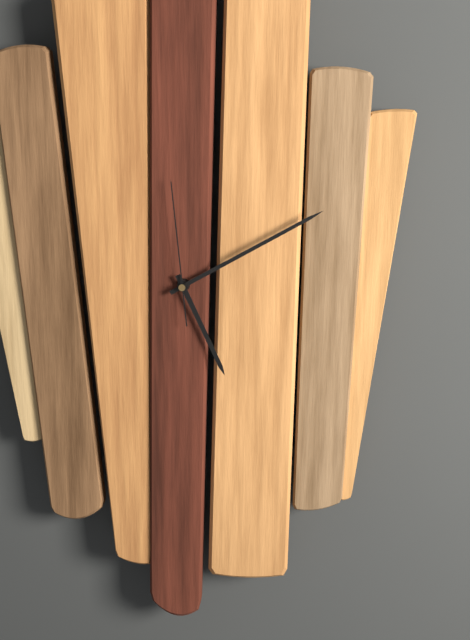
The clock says **5:10:59**
